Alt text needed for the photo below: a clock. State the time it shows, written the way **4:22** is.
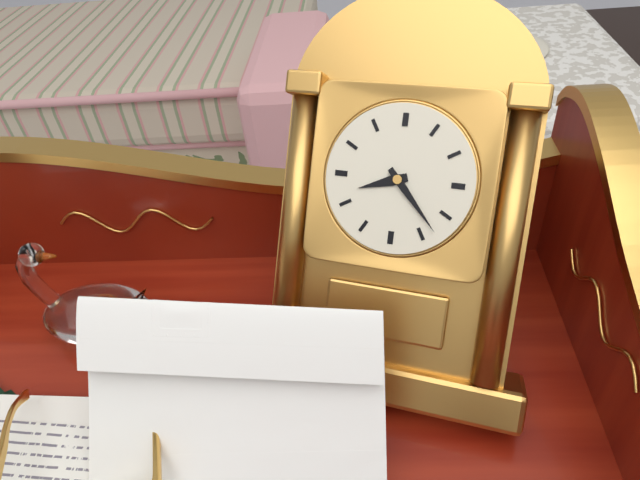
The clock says **8:23**
